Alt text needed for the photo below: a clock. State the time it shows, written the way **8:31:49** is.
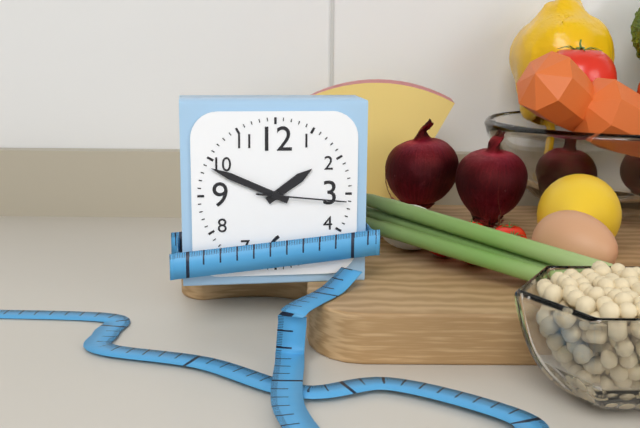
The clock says **1:49:16**
